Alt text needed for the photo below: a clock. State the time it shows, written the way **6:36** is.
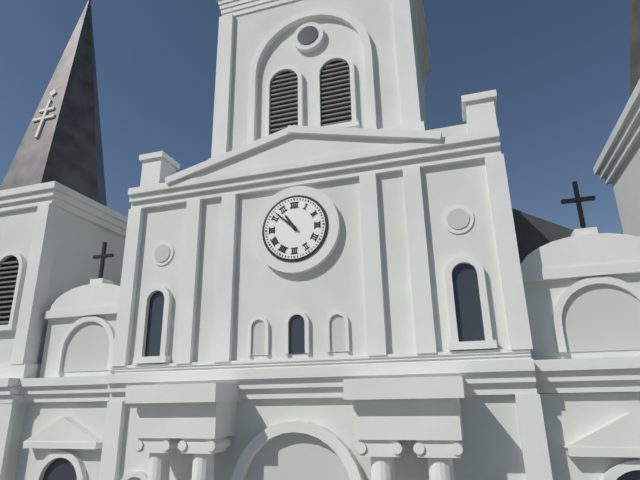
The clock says **10:52**
